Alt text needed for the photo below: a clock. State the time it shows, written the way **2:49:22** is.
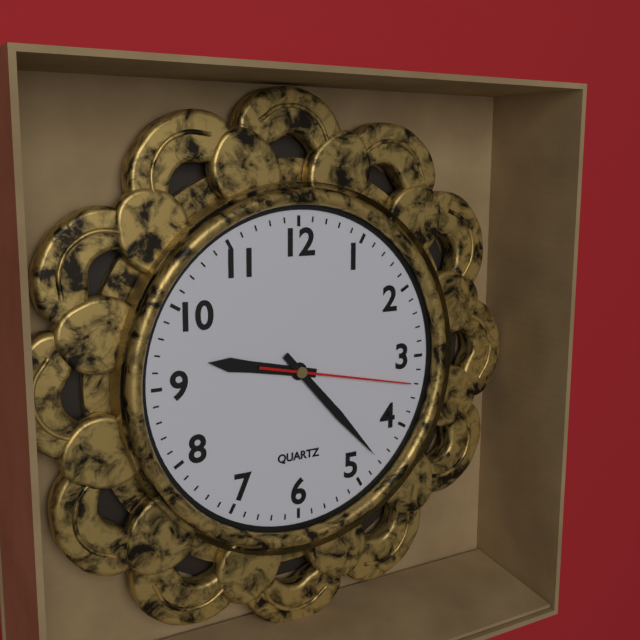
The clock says **9:23:17**
